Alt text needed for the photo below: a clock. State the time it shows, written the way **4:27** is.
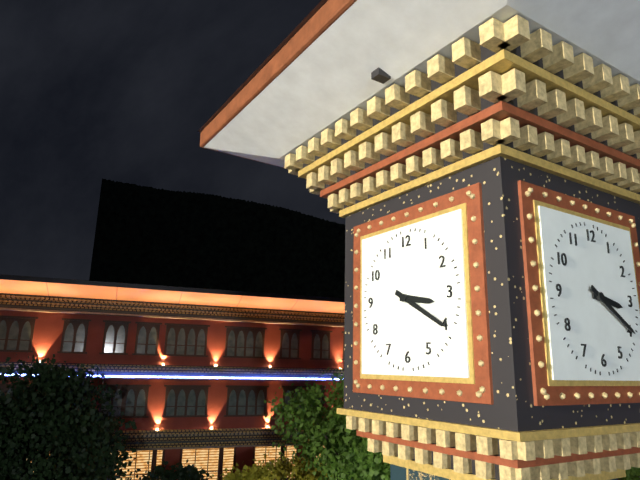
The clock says **3:20**
